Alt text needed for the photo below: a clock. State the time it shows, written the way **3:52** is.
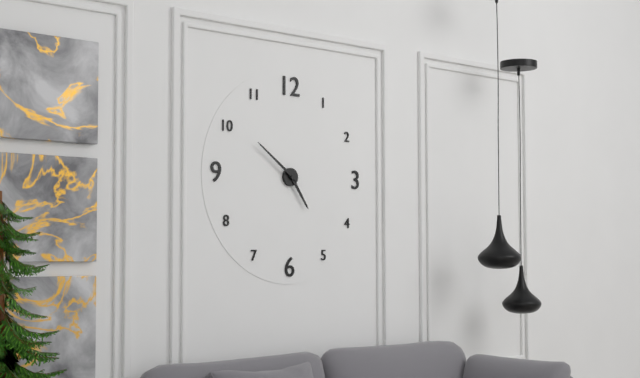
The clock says **4:51**
